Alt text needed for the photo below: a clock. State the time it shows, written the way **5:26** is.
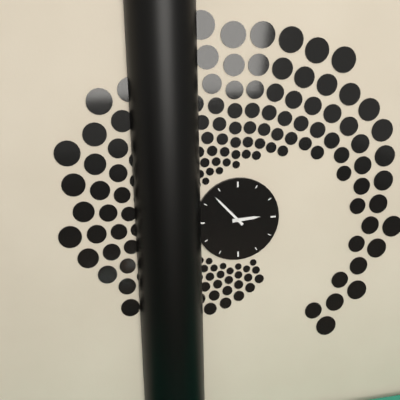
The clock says **2:53**
